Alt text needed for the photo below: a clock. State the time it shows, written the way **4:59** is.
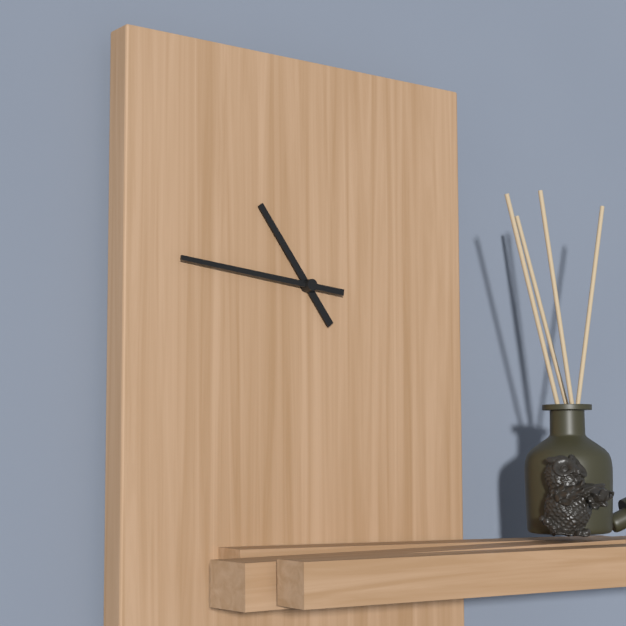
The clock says **10:46**
